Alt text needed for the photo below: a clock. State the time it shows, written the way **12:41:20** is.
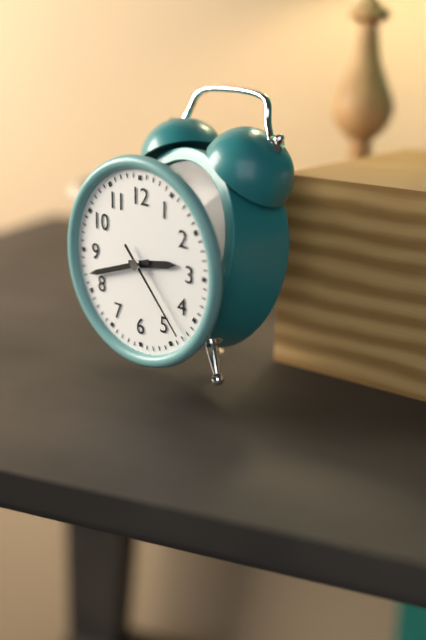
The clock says **2:42:23**
